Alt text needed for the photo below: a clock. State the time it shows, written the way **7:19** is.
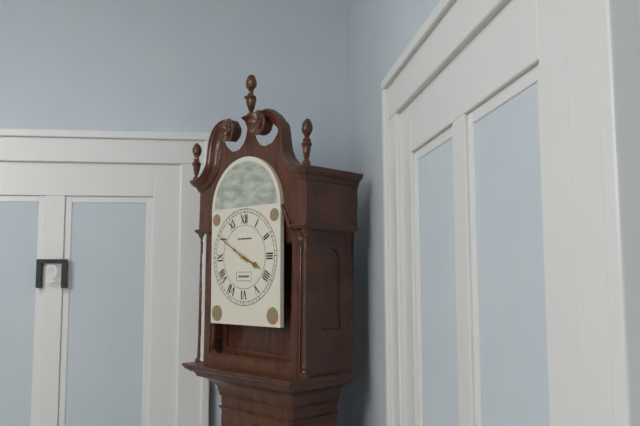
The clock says **3:50**
